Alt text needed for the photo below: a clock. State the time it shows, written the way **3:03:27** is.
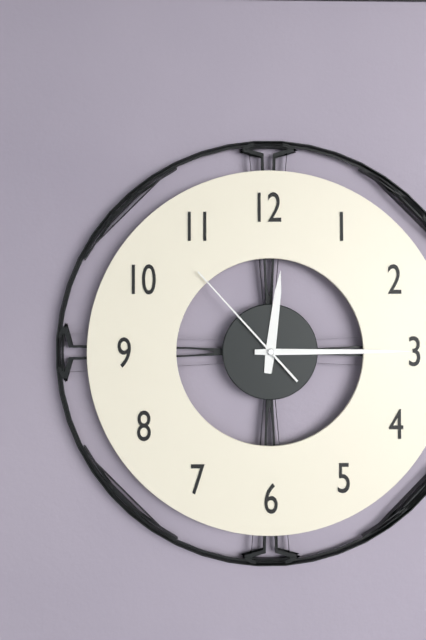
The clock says **12:15:53**
